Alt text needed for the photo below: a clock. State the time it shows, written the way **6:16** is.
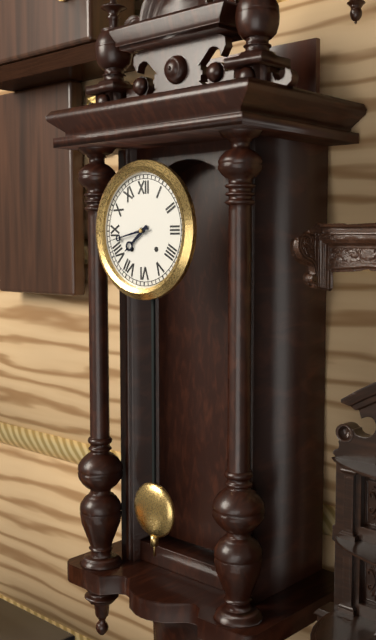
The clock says **7:43**
